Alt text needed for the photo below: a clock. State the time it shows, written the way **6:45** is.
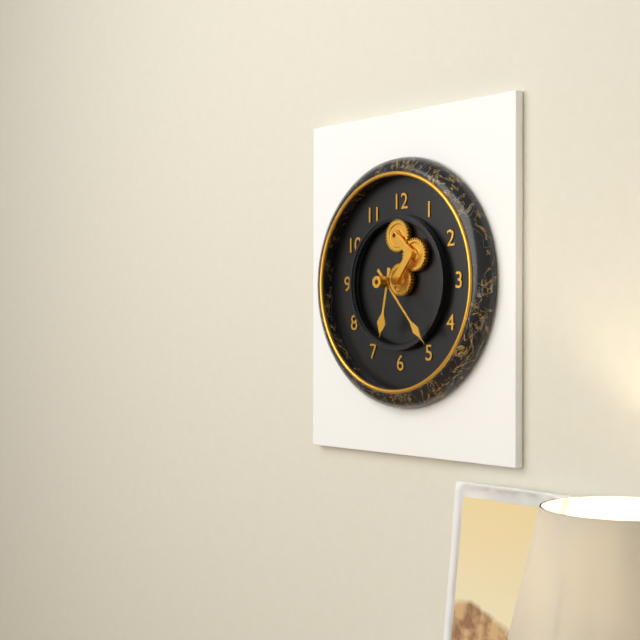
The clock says **6:23**
